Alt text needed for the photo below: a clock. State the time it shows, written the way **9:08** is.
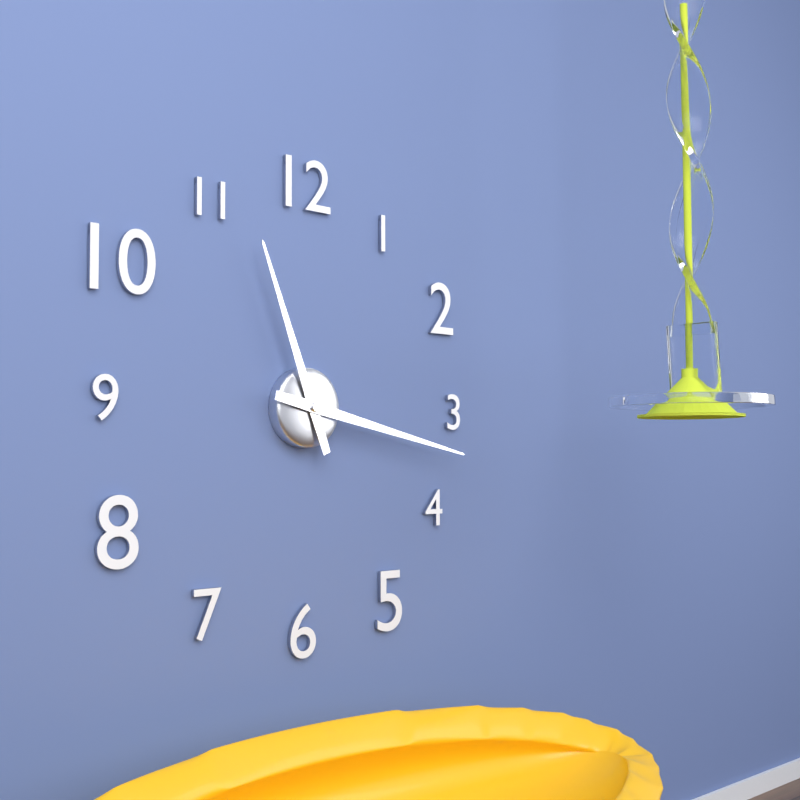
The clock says **11:17**
